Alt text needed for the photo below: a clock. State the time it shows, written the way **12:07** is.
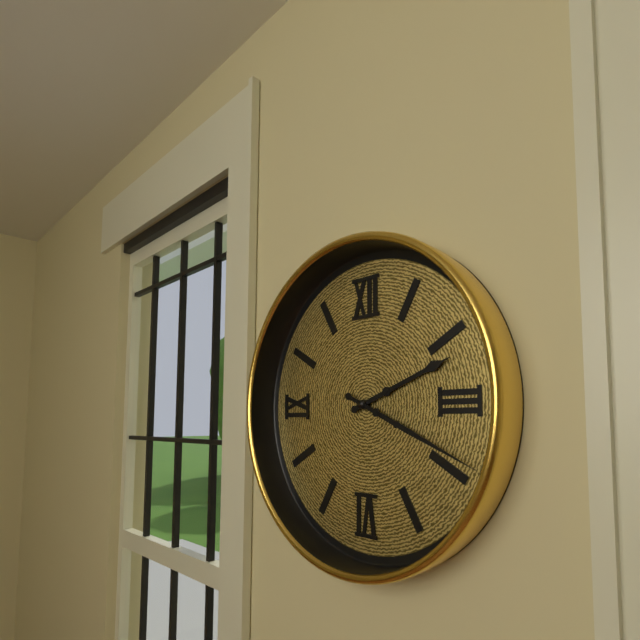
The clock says **2:19**
